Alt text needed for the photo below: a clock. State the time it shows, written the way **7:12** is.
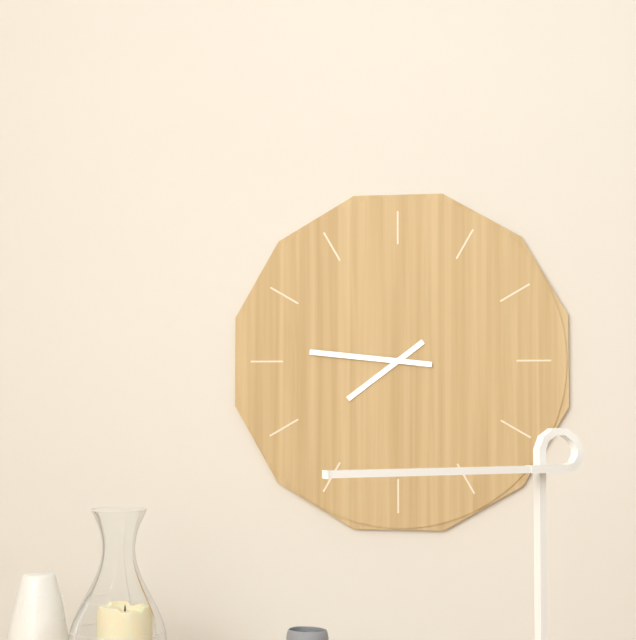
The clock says **7:46**
